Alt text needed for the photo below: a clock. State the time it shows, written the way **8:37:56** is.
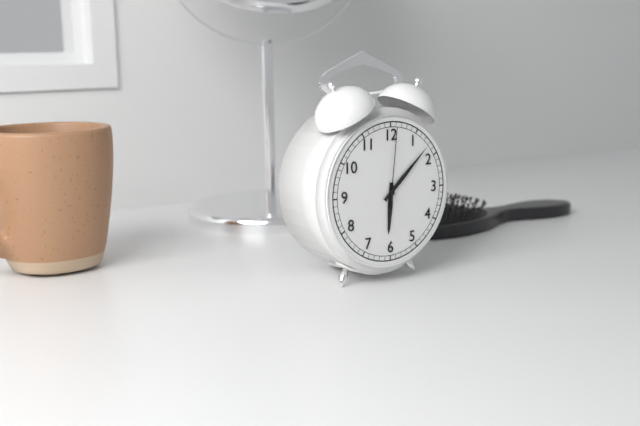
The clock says **6:08:01**
